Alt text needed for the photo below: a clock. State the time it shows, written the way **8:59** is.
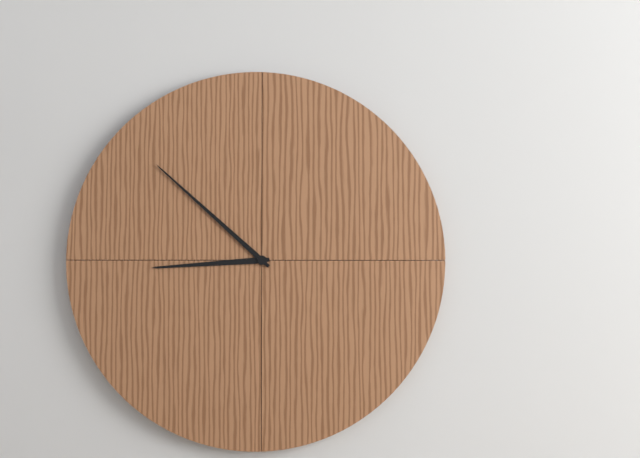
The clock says **8:52**
